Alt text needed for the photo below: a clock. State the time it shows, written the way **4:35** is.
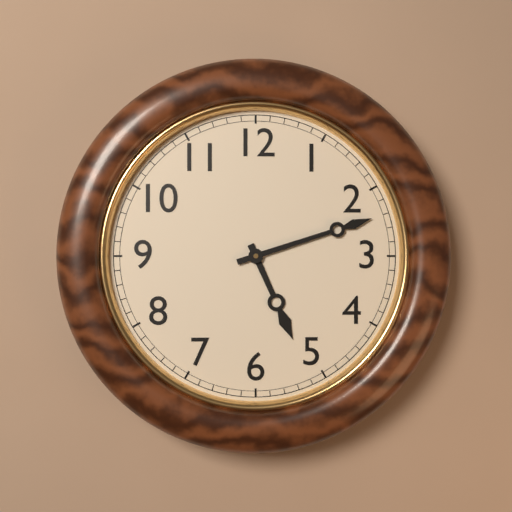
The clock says **5:12**
